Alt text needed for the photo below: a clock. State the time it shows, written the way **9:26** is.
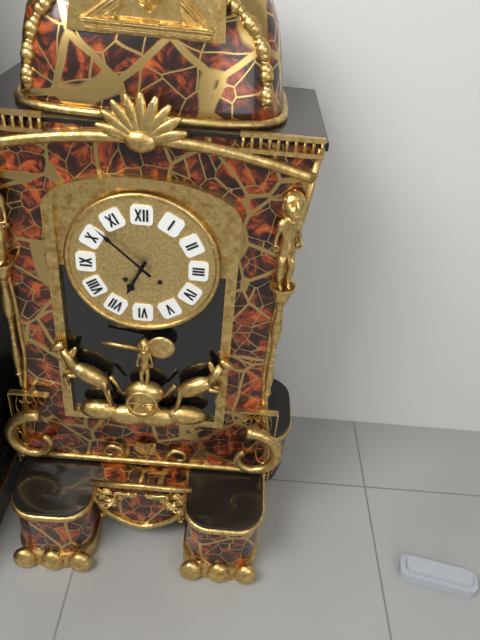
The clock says **6:52**
